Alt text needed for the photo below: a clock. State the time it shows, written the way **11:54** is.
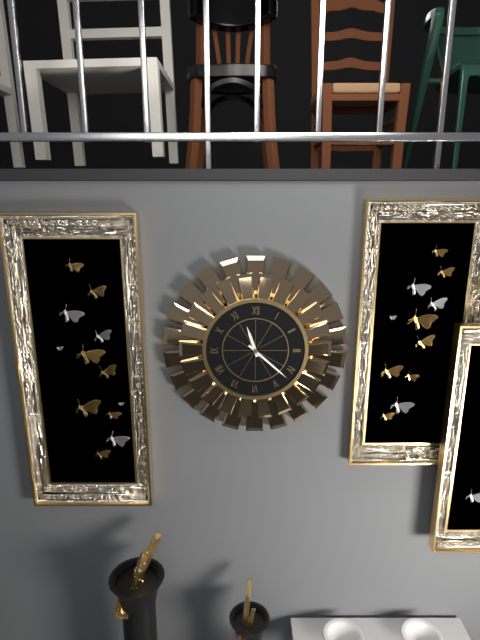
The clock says **11:22**
